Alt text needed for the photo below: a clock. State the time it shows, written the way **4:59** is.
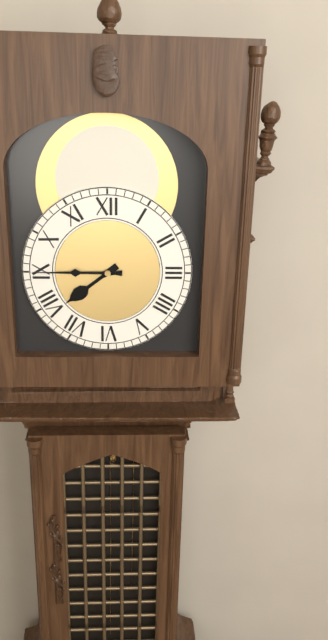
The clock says **7:45**
